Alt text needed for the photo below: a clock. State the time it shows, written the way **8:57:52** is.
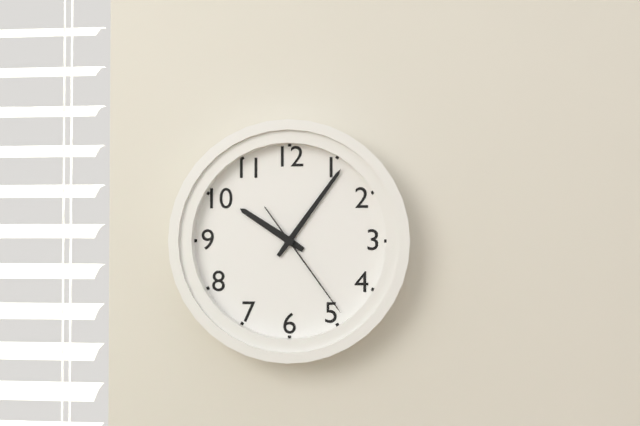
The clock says **10:06:24**
